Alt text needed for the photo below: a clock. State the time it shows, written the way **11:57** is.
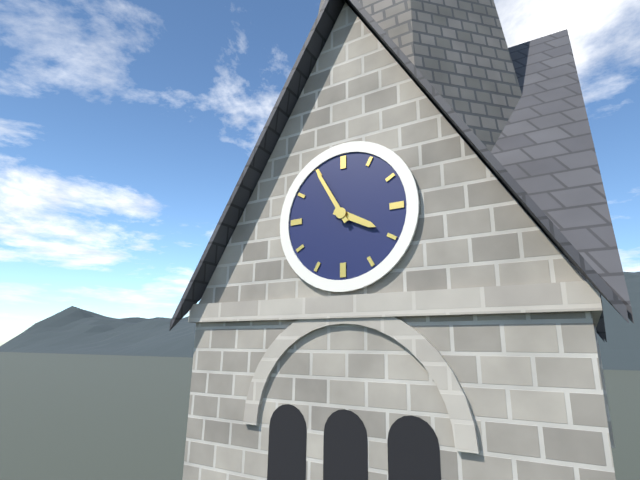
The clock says **3:55**
